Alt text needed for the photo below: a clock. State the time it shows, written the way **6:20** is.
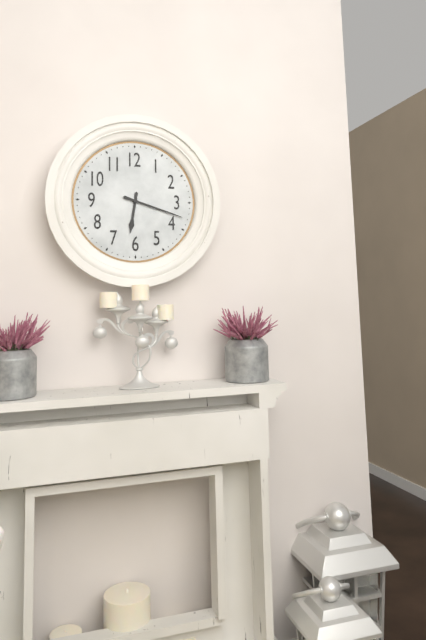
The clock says **6:18**
